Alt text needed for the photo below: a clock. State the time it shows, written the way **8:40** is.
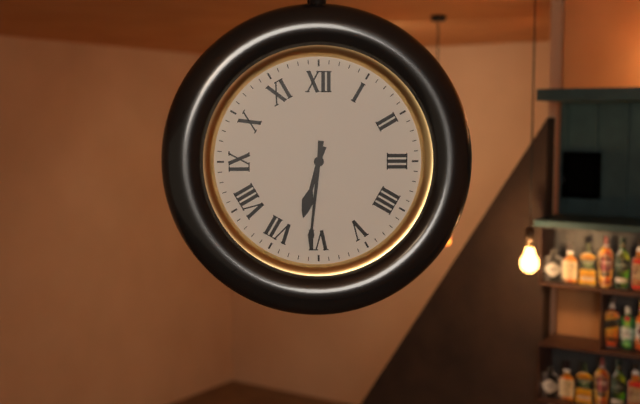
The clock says **6:31**
